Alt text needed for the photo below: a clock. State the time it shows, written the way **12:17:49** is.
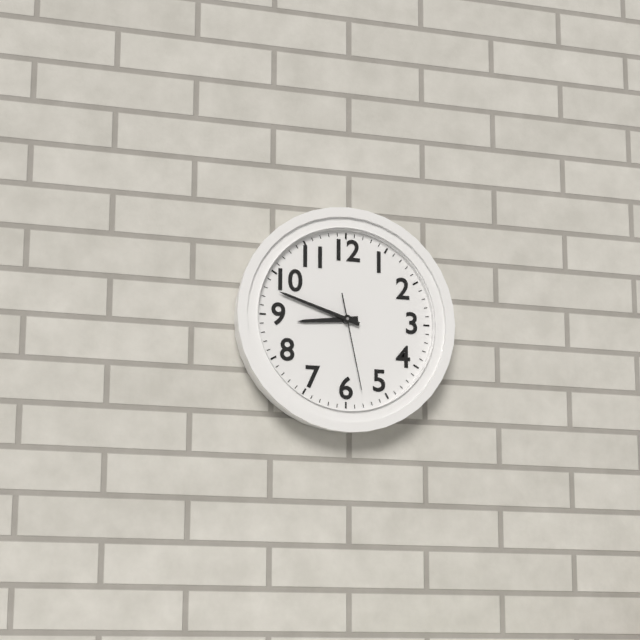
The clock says **8:48:28**
